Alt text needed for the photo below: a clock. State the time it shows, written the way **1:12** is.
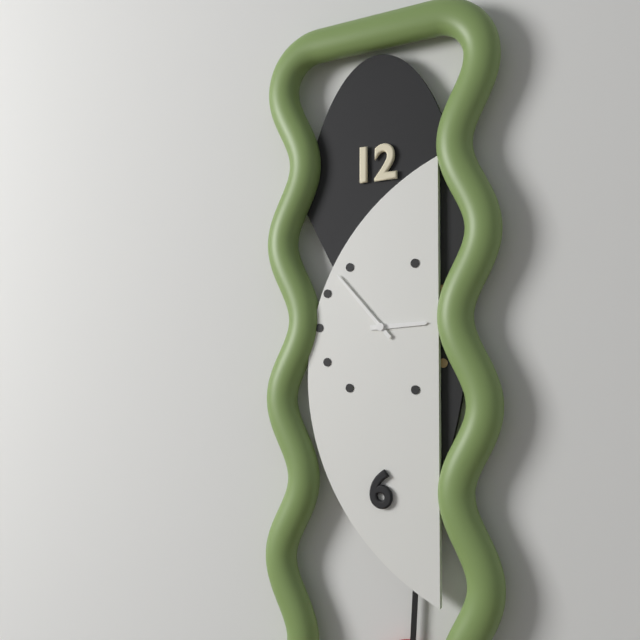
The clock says **2:53**
